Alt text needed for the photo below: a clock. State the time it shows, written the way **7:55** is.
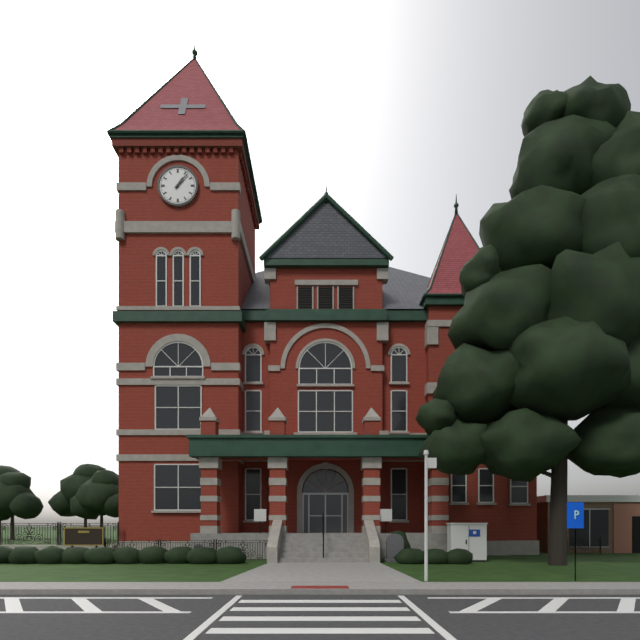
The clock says **1:07**
